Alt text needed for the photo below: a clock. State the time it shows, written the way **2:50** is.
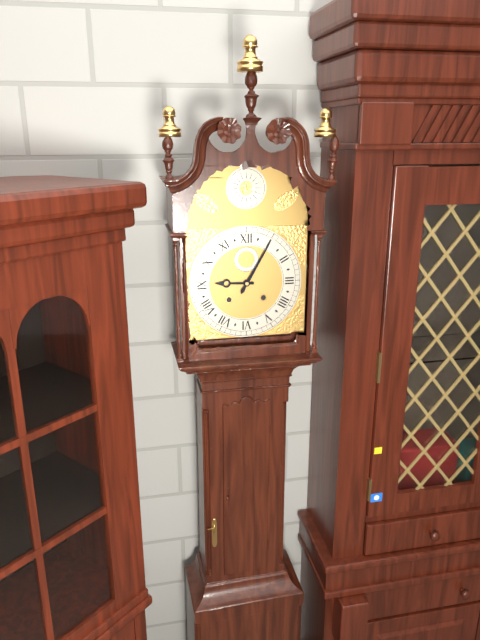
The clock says **9:05**
